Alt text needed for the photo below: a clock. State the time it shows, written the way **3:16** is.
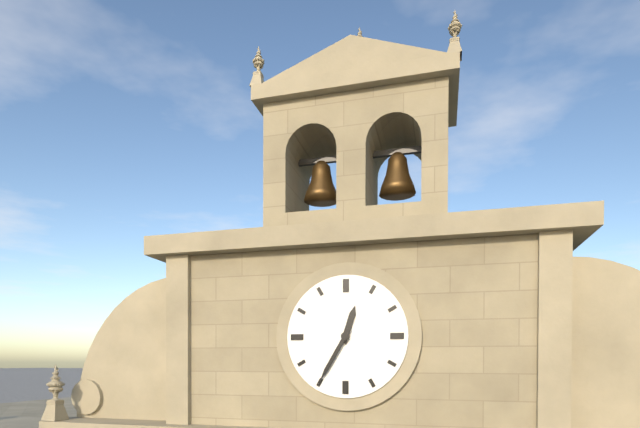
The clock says **12:35**
